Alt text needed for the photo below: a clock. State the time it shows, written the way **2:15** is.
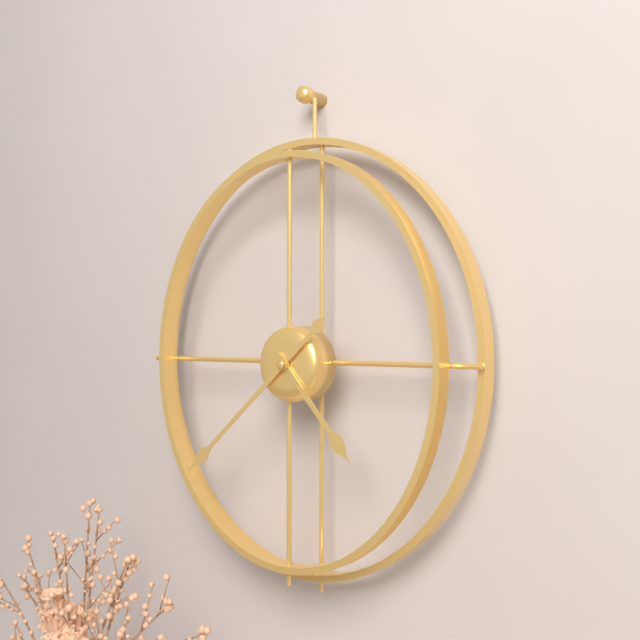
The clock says **4:38**
